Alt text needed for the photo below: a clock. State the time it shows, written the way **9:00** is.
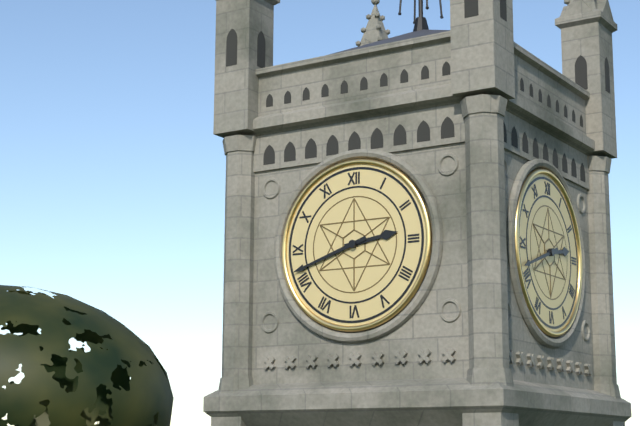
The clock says **2:42**
